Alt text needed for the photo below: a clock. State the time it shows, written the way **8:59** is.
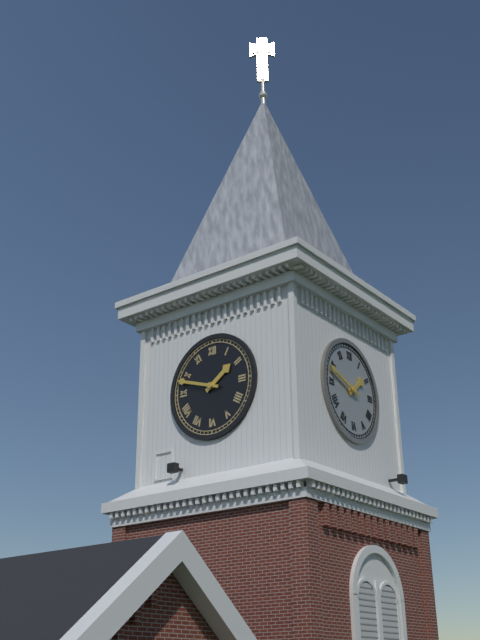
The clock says **1:48**
